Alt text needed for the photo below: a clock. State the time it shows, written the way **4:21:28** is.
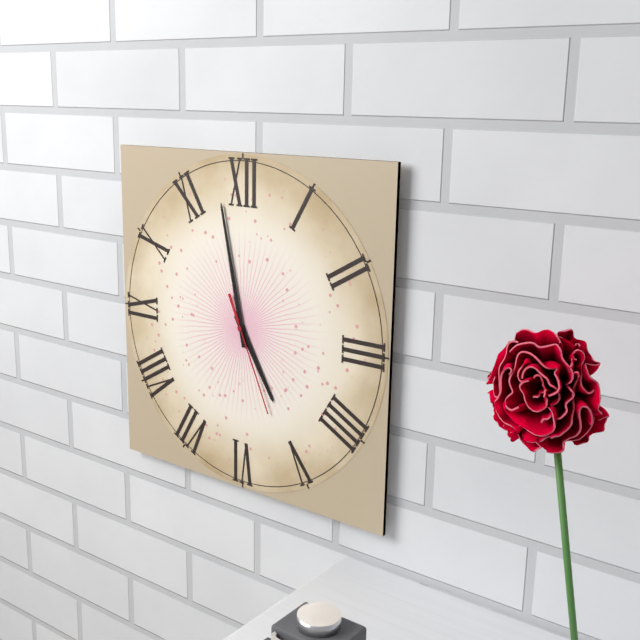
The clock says **4:58:26**
